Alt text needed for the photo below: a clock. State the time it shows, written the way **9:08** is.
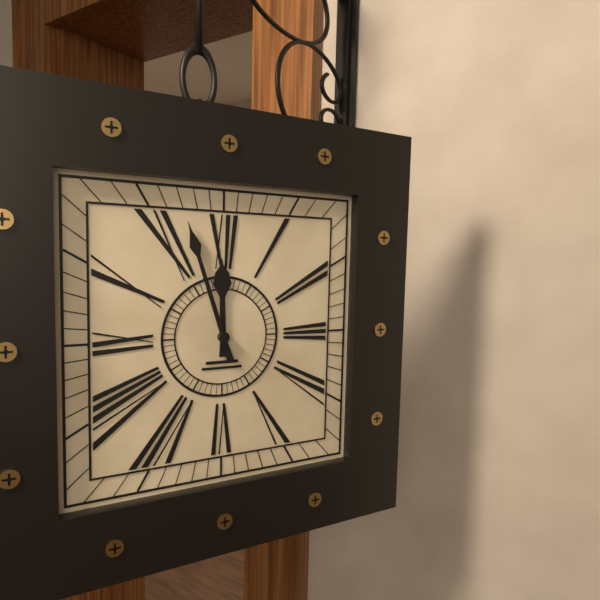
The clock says **11:57**
